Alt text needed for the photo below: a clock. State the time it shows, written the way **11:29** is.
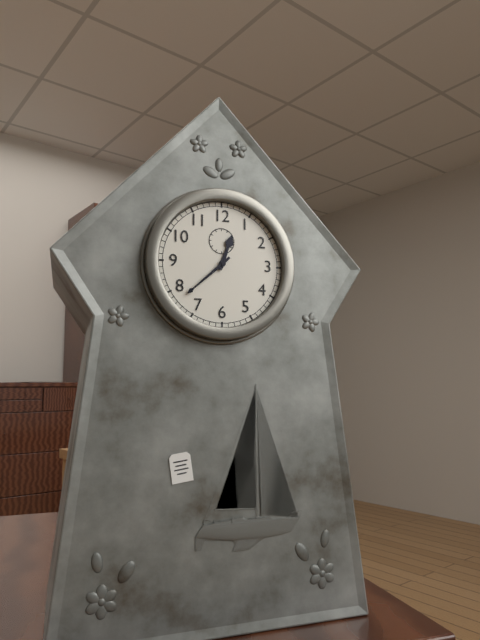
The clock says **12:38**
